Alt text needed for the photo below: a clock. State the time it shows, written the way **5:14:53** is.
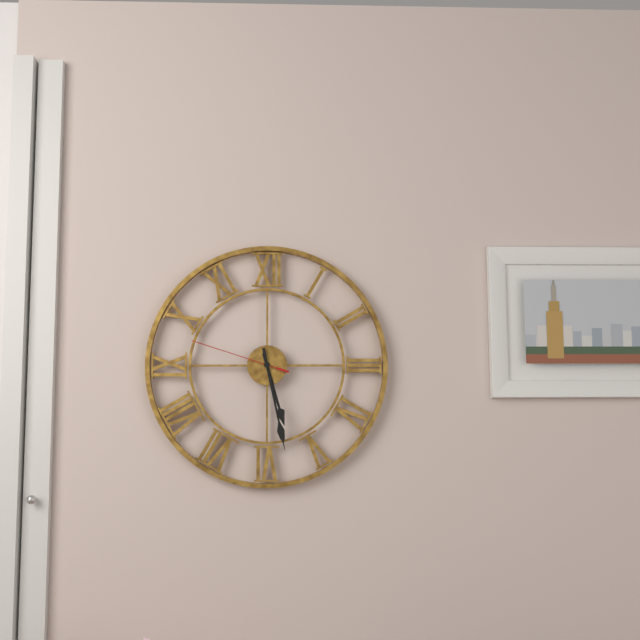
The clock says **5:28:48**
